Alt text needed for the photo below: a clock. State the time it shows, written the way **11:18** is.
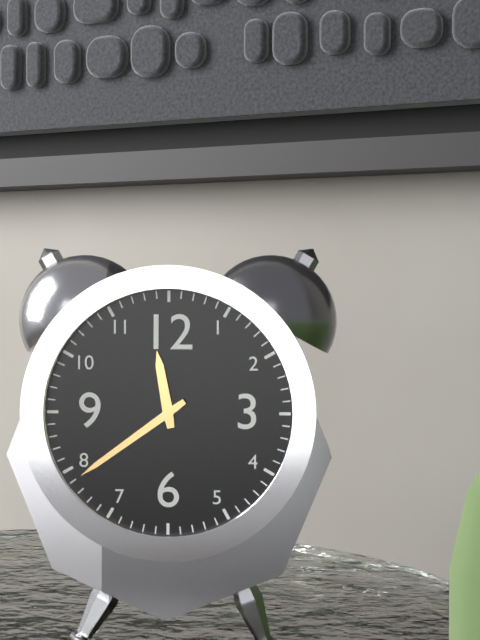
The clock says **11:39**
